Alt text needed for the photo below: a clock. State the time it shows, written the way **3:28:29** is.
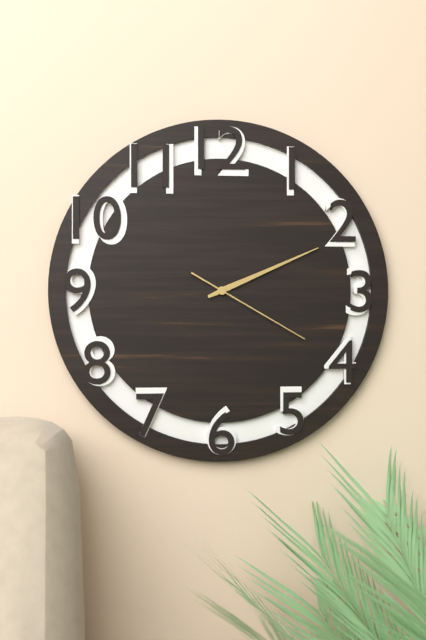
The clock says **2:11:20**
